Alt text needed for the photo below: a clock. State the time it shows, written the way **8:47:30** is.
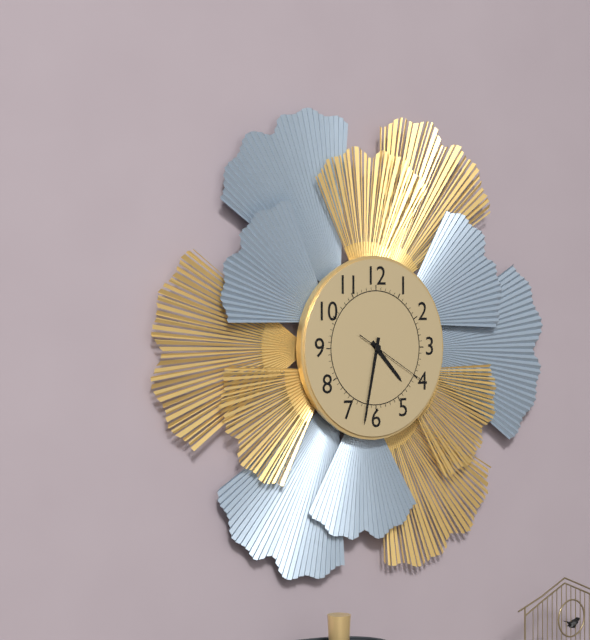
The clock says **4:32:20**
